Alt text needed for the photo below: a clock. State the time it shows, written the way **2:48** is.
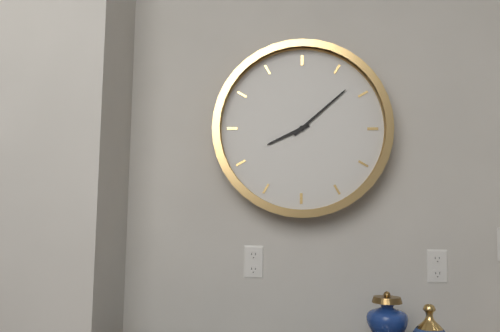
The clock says **8:08**
